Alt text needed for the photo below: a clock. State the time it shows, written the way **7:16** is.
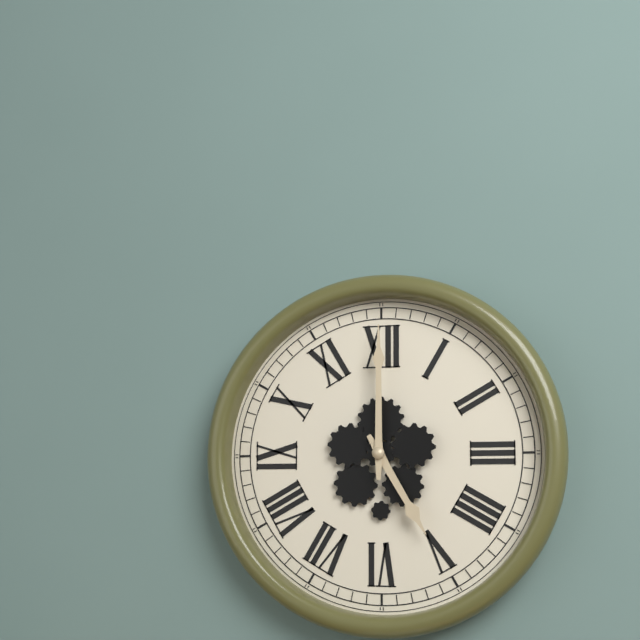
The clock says **5:00**
